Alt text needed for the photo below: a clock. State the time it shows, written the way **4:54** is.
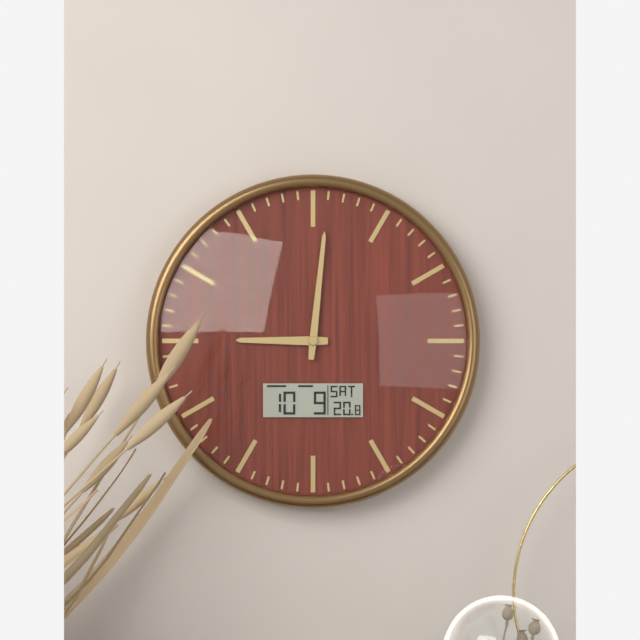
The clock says **9:01**
